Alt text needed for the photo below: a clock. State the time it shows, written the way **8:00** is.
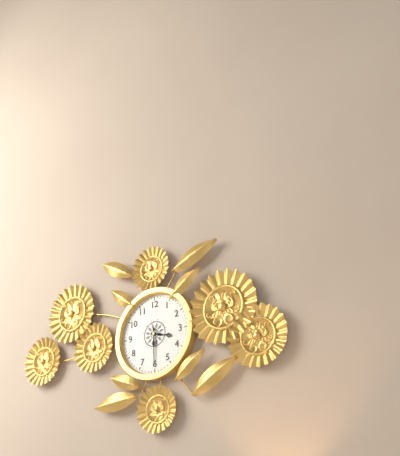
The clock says **3:30**
